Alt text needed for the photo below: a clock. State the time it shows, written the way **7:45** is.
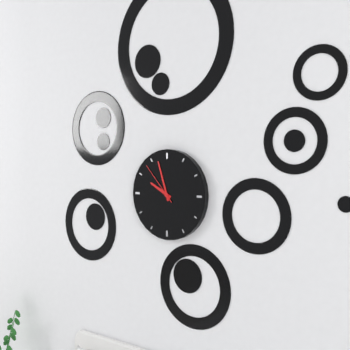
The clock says **9:57**
